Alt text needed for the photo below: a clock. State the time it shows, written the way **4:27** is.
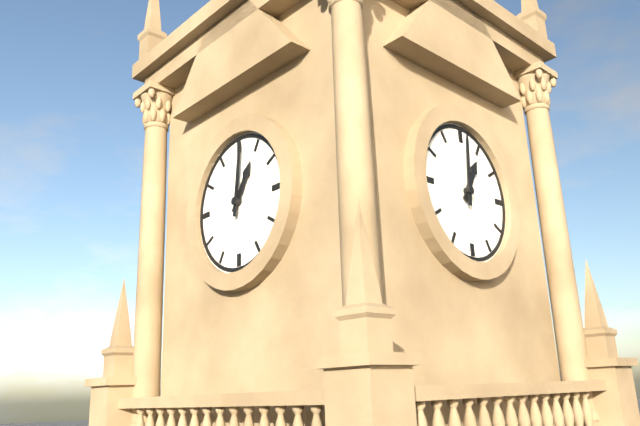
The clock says **1:01**
